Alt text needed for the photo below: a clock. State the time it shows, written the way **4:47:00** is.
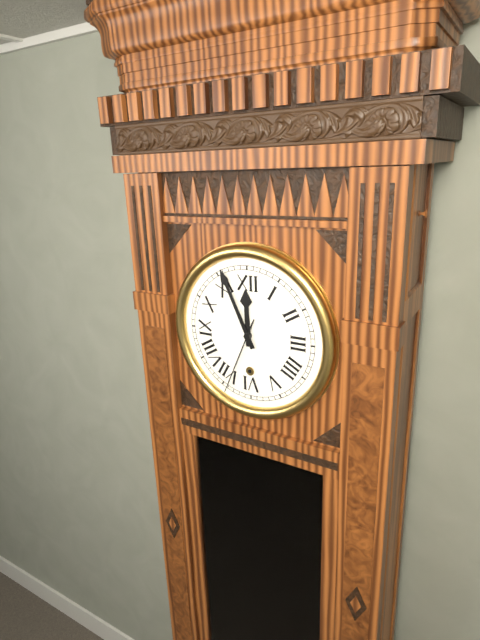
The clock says **11:56:34**
